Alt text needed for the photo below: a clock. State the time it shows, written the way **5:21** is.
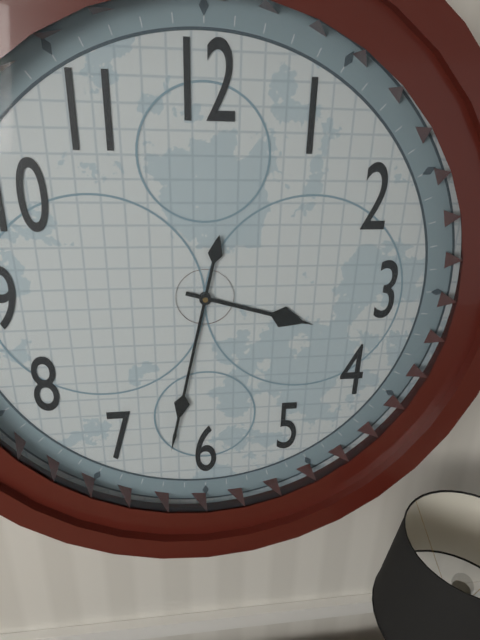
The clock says **3:32**
